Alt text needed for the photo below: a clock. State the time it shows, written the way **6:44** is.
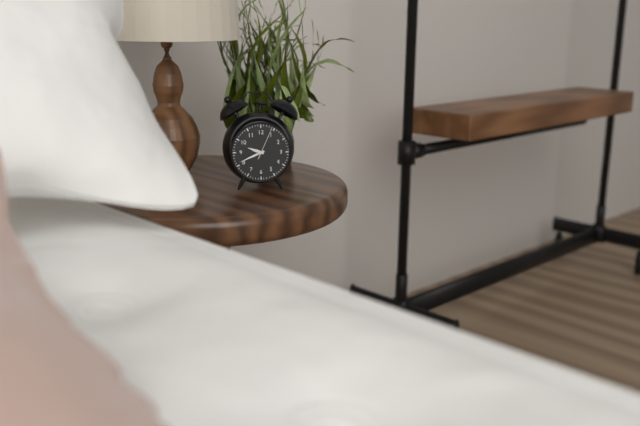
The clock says **9:41**
